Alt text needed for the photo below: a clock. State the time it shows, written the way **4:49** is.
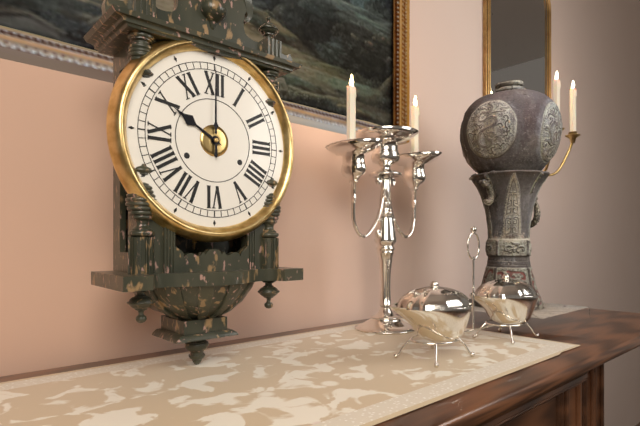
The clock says **10:00**
